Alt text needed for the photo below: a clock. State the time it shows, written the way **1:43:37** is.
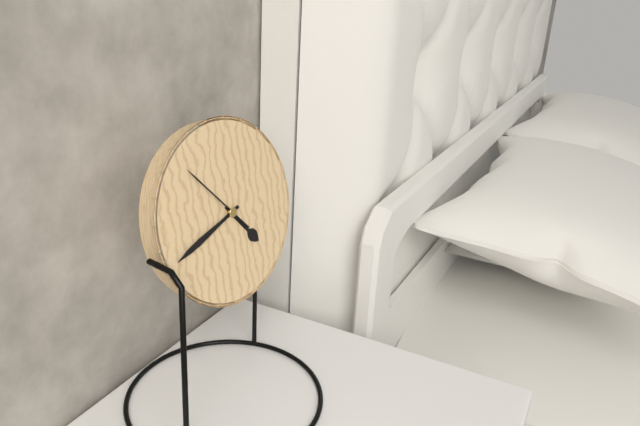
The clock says **4:42:53**
